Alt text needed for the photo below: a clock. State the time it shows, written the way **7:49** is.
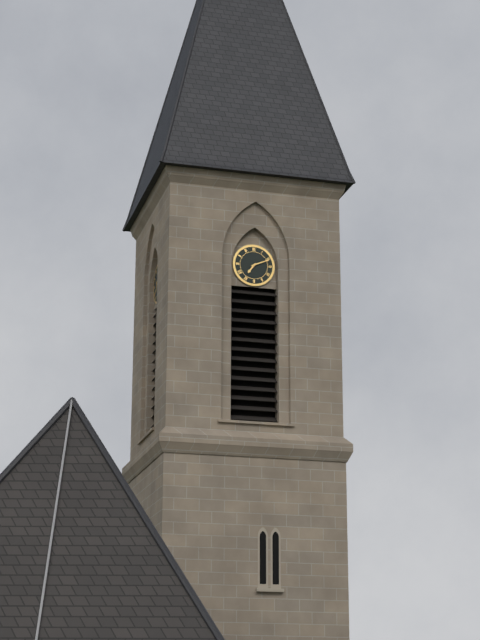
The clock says **7:11**
